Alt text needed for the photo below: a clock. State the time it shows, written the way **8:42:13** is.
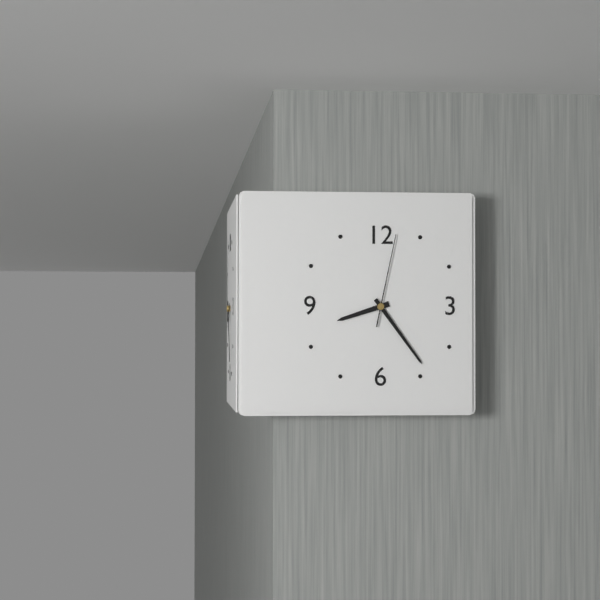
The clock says **8:24:02**
